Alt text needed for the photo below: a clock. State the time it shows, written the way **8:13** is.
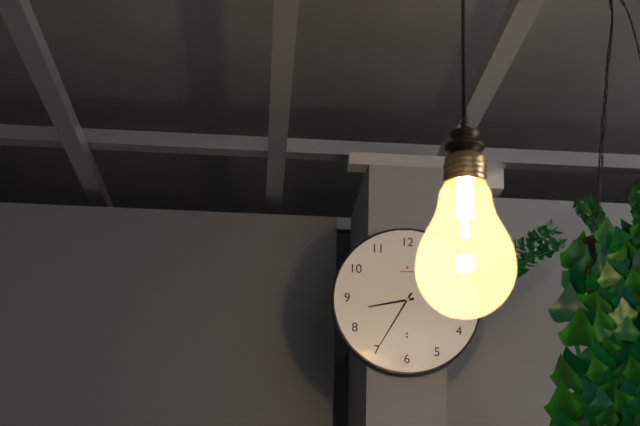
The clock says **8:35**
